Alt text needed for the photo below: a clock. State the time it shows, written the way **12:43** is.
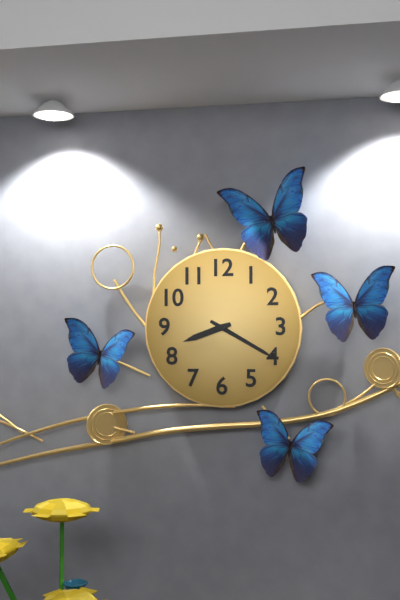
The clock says **8:20**
